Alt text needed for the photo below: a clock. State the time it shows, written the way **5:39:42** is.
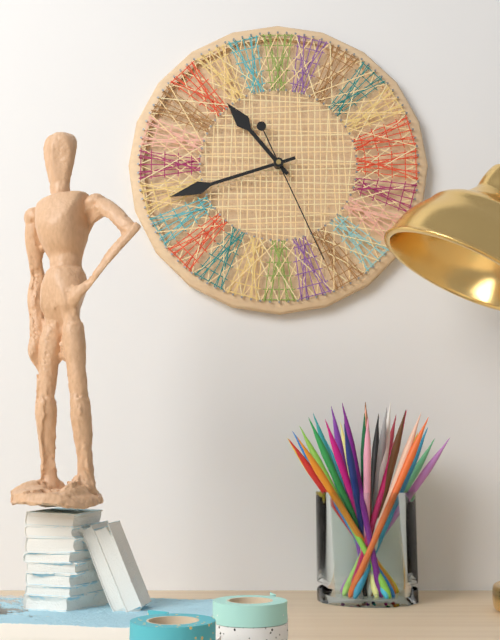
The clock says **10:42:26**
